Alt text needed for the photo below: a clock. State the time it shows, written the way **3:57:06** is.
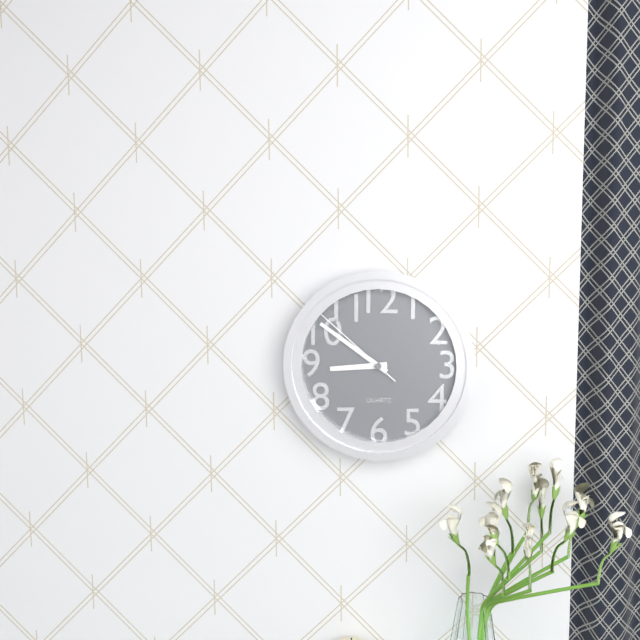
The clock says **8:51:52**
